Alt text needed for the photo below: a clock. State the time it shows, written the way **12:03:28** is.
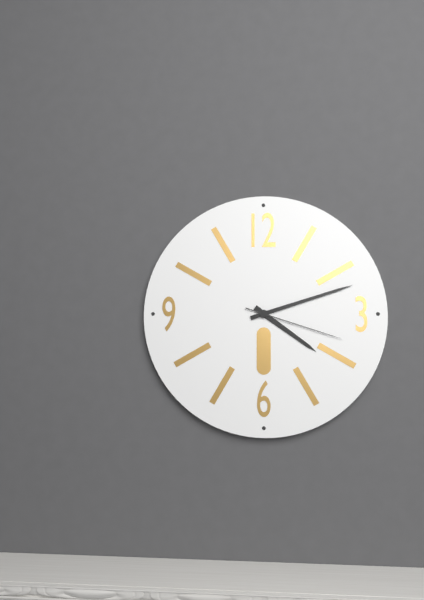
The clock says **4:12:18**
